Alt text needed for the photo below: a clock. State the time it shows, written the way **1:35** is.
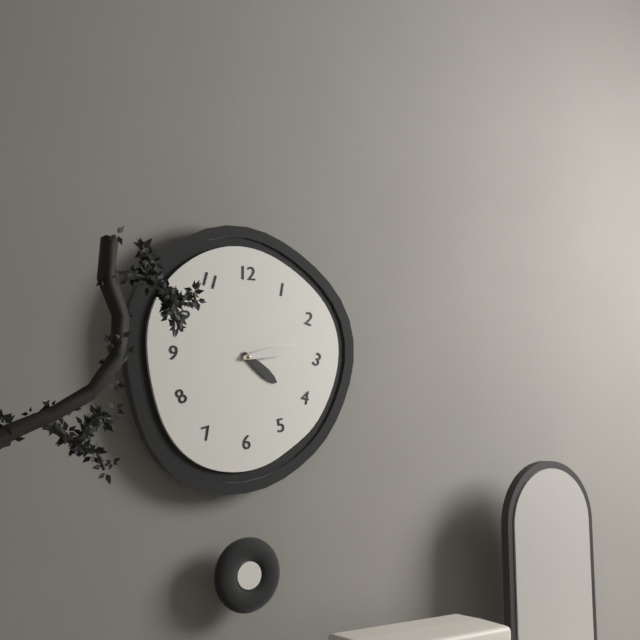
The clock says **4:13**
